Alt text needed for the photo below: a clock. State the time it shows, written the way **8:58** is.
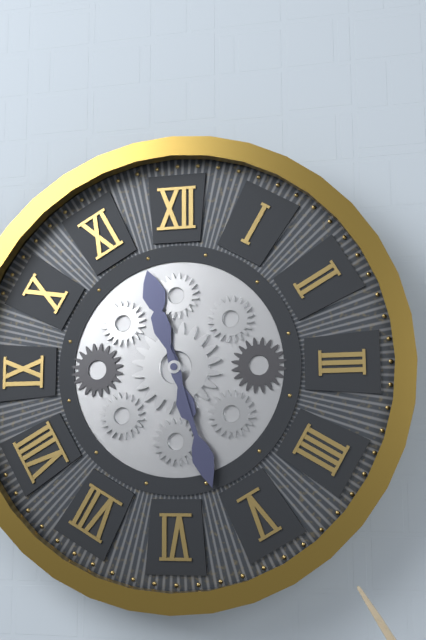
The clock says **11:27**
